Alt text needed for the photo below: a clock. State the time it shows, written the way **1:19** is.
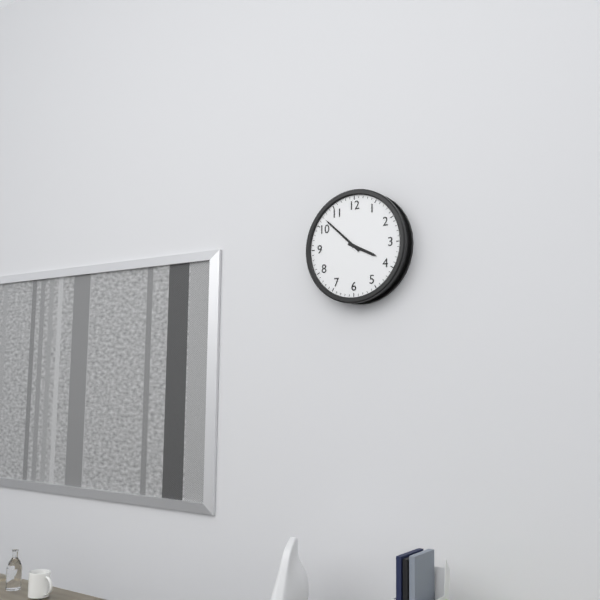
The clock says **3:52**
